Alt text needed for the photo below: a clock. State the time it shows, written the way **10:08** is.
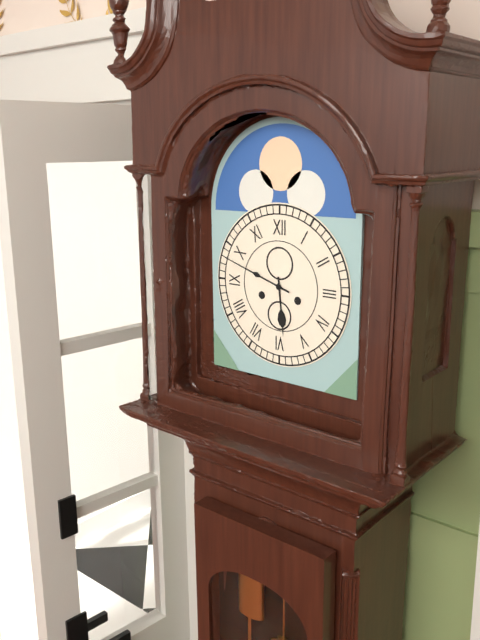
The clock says **5:48**
